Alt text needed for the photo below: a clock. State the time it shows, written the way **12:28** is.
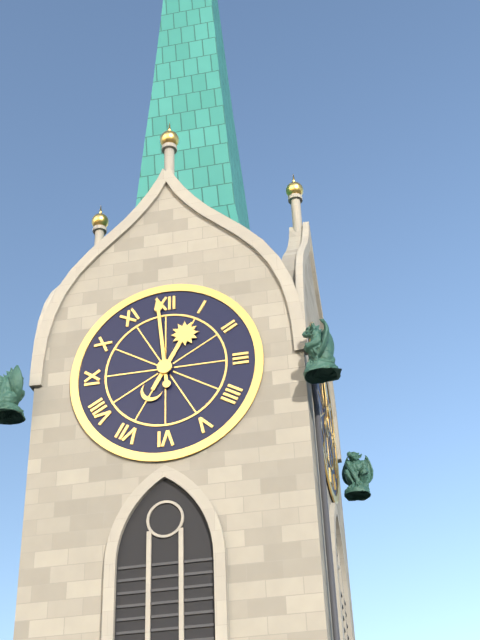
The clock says **12:59**
